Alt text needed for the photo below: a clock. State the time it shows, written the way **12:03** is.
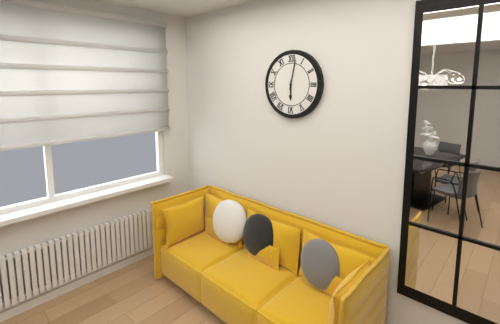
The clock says **6:02**
